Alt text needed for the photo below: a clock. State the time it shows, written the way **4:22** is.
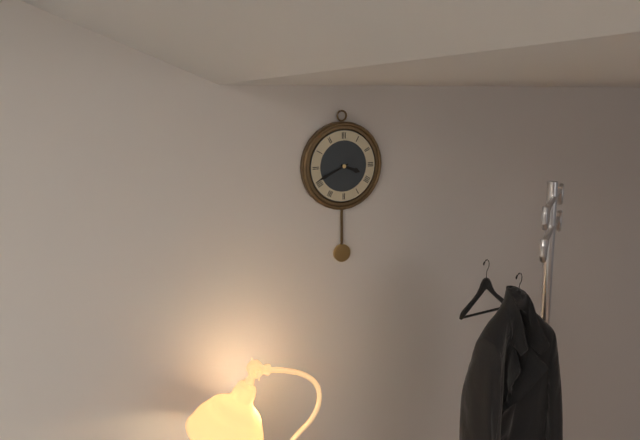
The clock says **3:41**
